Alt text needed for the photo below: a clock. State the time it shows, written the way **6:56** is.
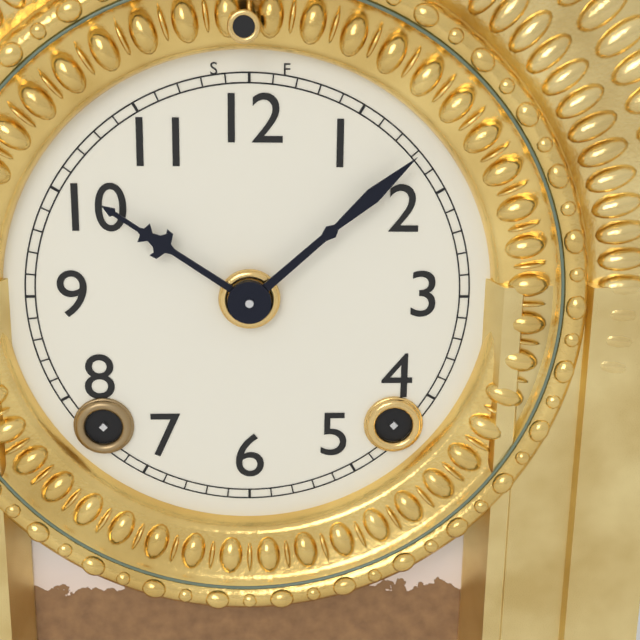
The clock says **10:08**
